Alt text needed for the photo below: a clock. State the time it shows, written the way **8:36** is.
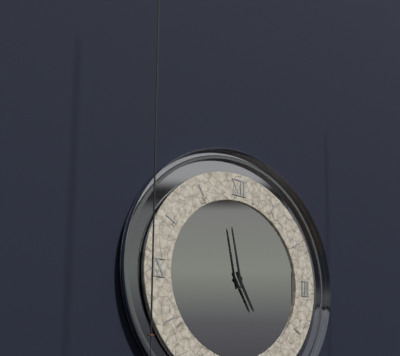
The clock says **4:58**
